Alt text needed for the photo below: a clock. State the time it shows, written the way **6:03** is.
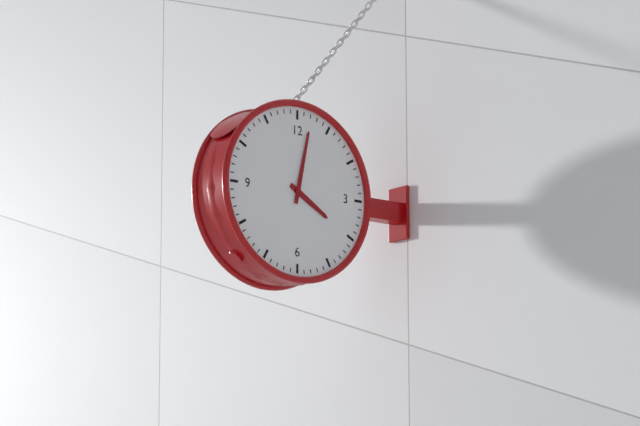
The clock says **4:02**
